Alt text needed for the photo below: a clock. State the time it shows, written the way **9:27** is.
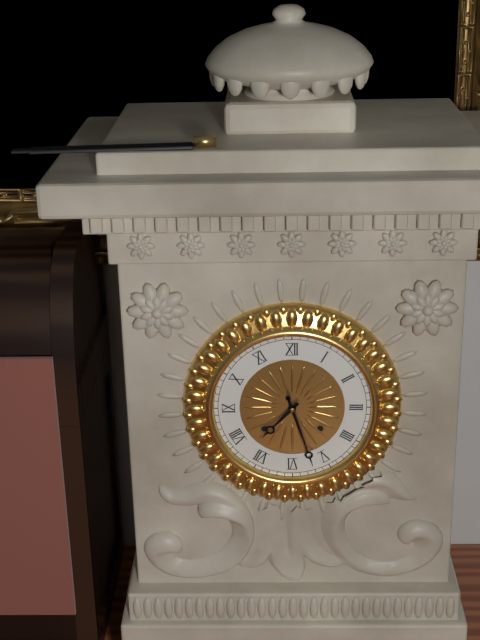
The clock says **7:27**
